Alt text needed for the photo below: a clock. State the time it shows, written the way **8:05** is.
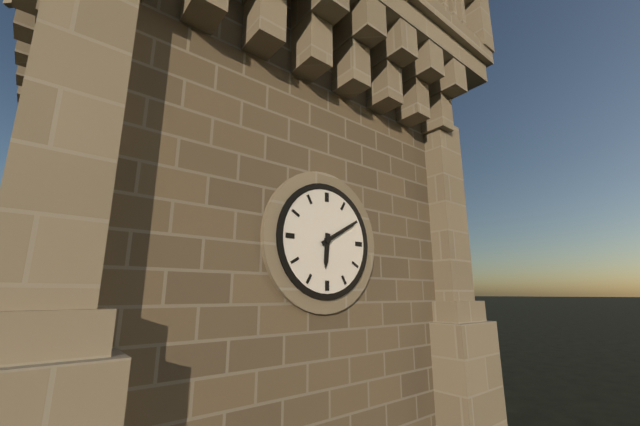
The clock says **6:10**
